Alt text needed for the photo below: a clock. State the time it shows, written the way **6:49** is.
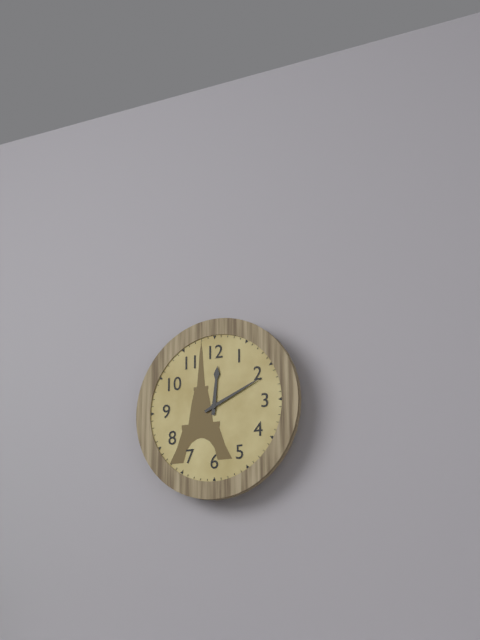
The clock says **12:11**
